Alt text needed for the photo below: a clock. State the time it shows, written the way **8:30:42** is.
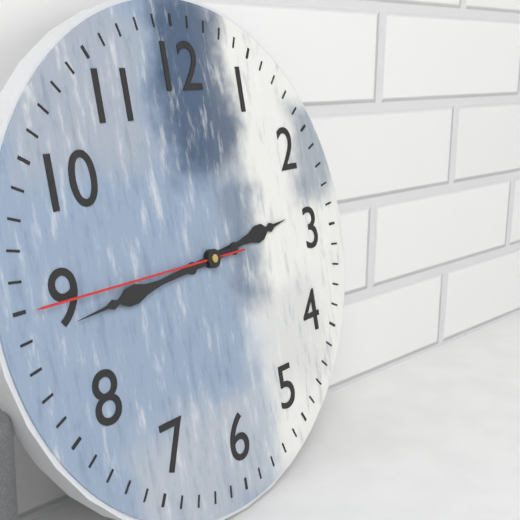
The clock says **2:44:45**
